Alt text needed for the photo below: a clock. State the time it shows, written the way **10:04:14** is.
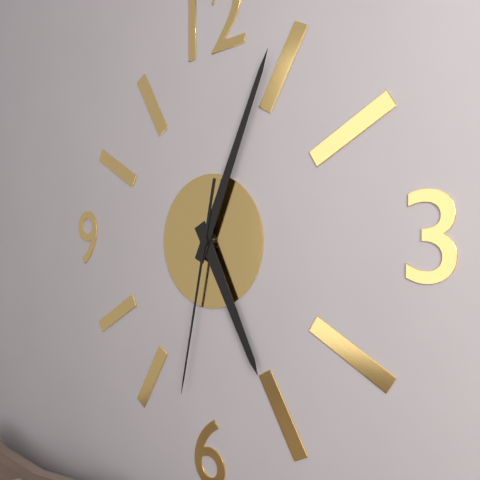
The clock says **5:04:32**
